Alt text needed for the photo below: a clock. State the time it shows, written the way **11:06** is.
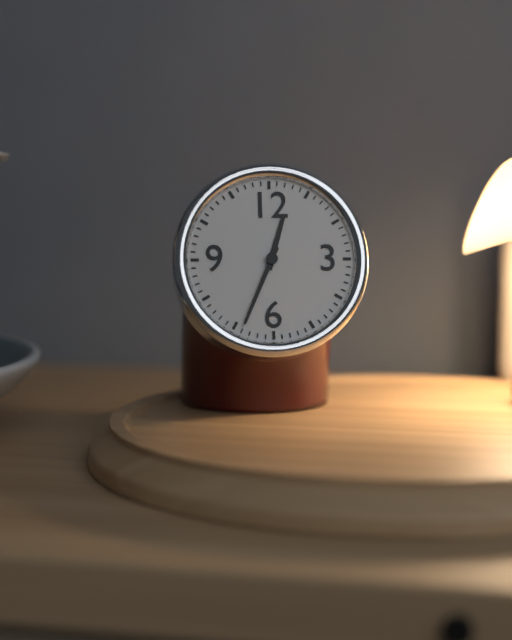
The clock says **12:34**
